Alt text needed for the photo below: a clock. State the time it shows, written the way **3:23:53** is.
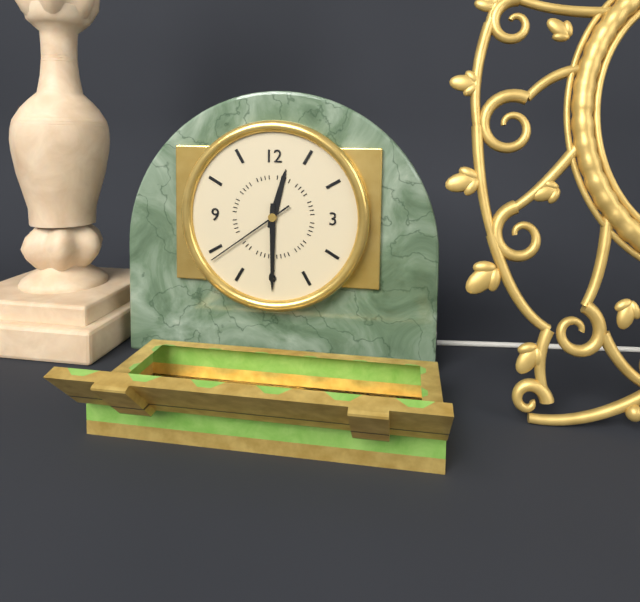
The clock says **12:30:39**
